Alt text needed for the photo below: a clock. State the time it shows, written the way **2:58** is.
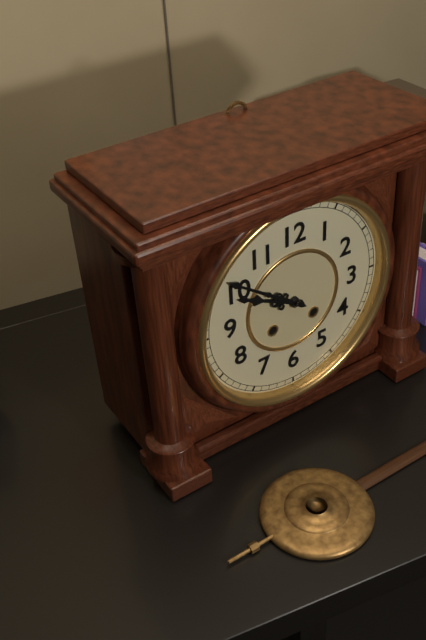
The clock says **9:51**
